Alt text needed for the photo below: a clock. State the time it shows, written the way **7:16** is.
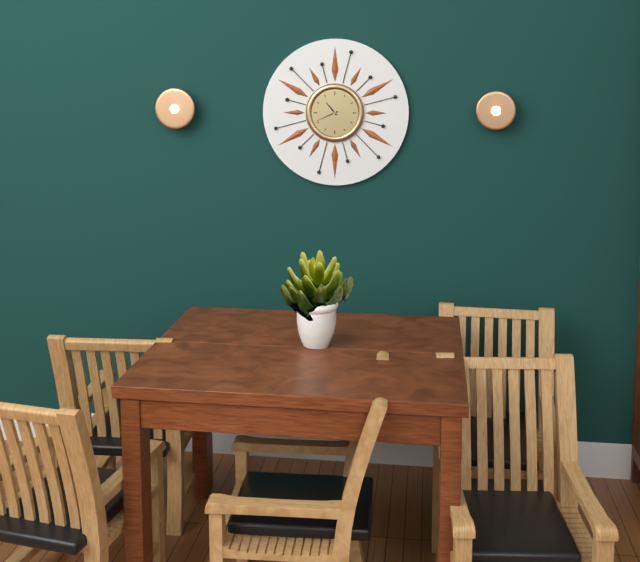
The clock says **10:41**
